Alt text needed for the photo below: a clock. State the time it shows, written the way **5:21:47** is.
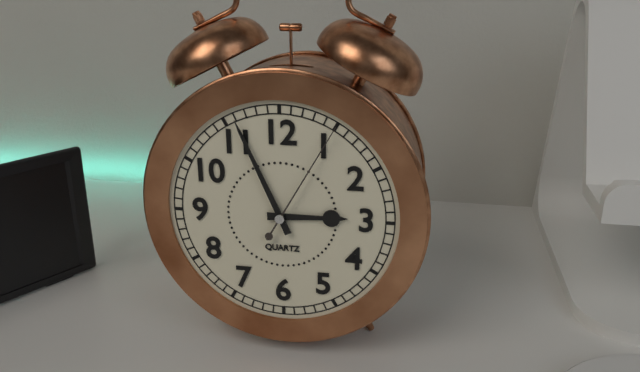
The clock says **2:56:05**
